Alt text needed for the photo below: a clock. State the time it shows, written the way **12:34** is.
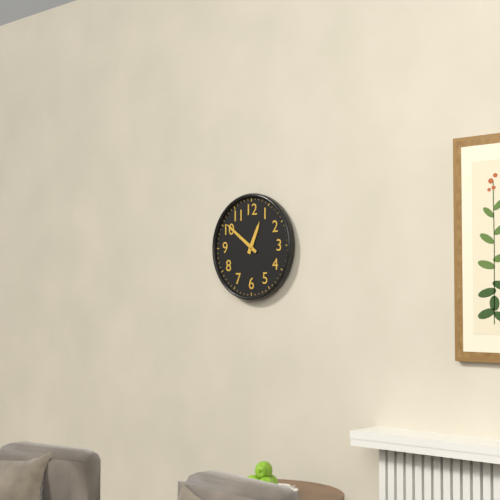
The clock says **12:51**
